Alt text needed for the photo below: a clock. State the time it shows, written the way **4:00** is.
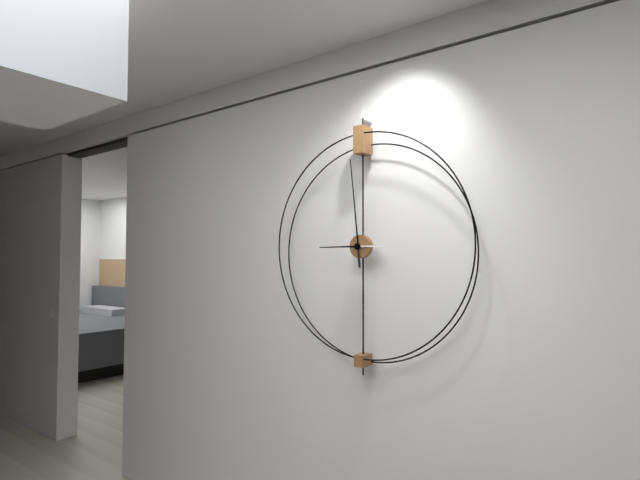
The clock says **8:59**
